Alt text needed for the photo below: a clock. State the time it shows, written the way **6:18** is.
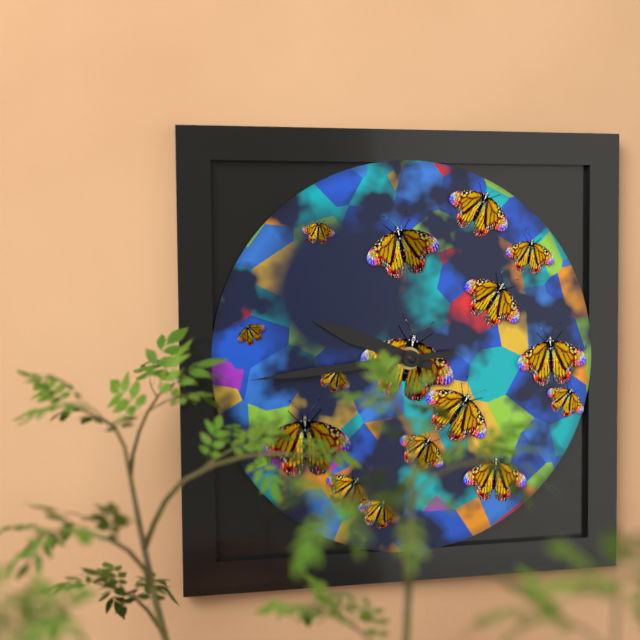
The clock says **9:44**
